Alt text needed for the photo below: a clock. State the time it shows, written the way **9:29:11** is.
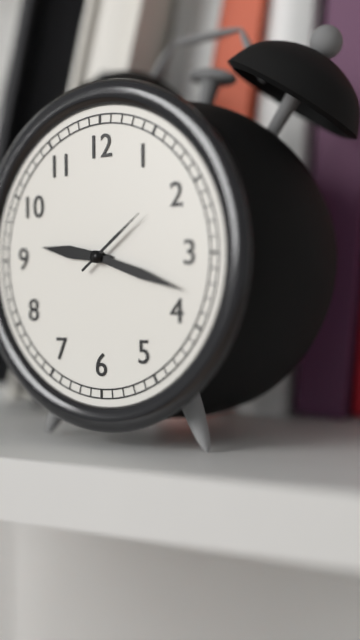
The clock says **9:18:09**
